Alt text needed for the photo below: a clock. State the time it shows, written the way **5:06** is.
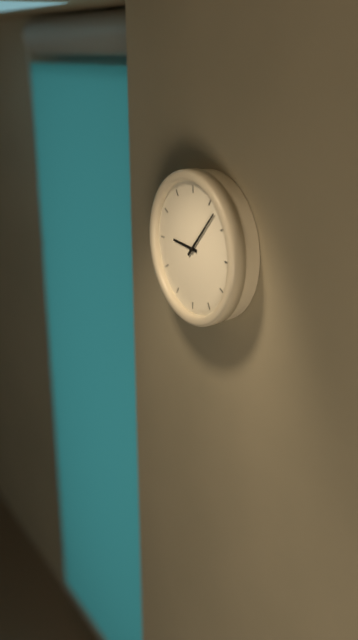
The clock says **9:07**
